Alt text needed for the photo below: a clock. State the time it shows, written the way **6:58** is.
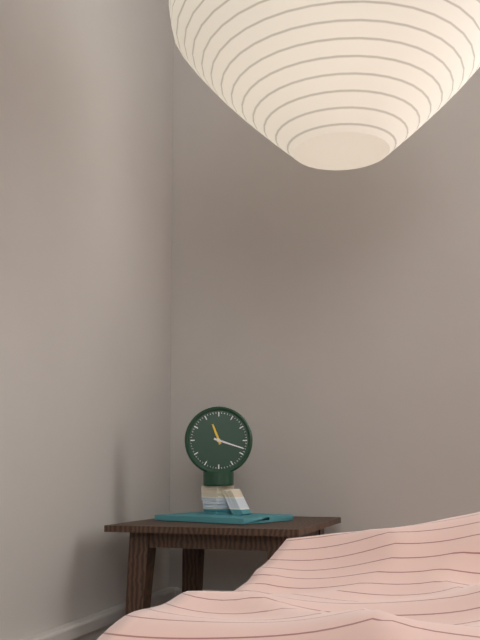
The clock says **11:18**
